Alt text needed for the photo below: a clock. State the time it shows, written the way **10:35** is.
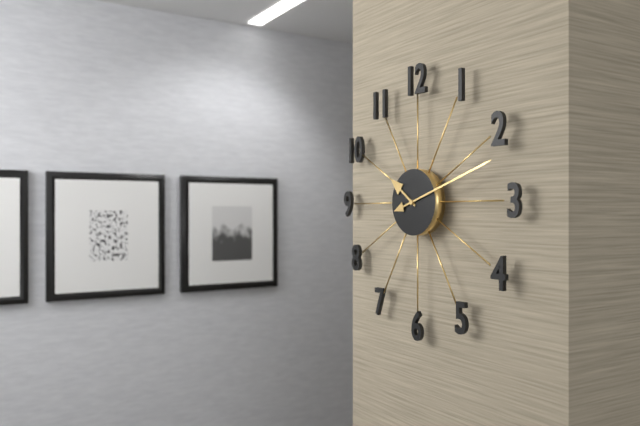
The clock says **10:12**
